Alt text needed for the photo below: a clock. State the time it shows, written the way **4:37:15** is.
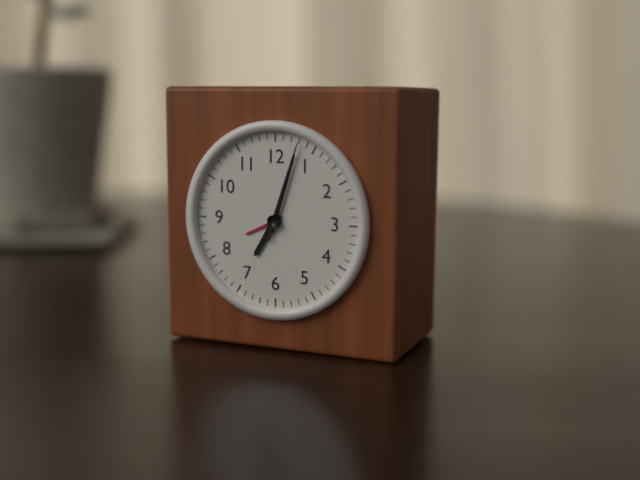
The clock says **7:03:03**
